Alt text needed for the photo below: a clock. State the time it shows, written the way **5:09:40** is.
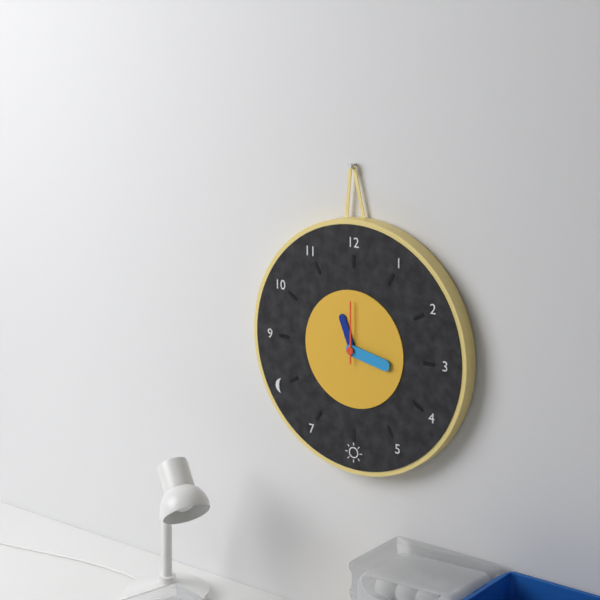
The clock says **11:17:00**
